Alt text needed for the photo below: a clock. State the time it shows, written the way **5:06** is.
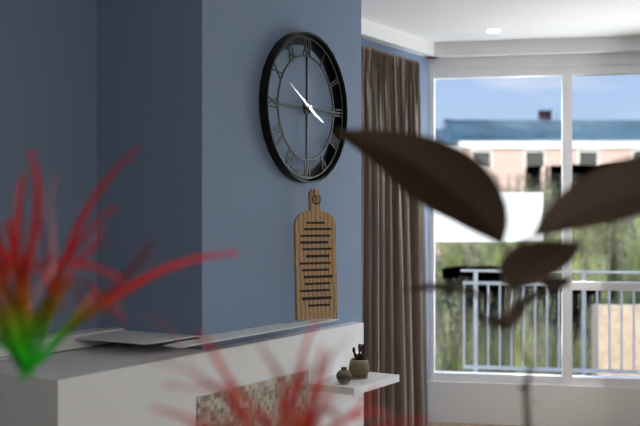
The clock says **3:50**
